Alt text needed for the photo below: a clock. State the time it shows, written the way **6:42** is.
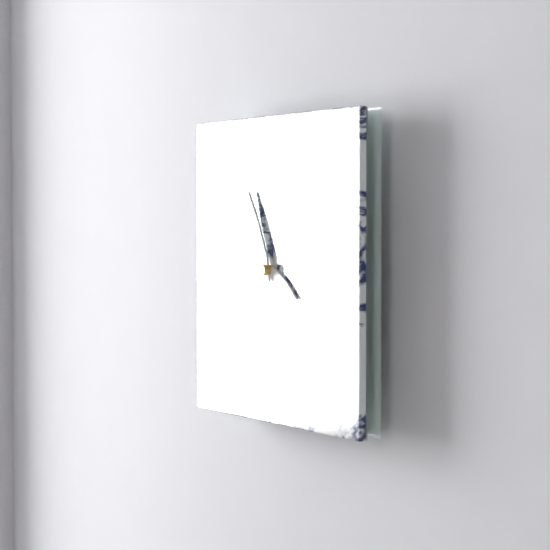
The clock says **3:56**
